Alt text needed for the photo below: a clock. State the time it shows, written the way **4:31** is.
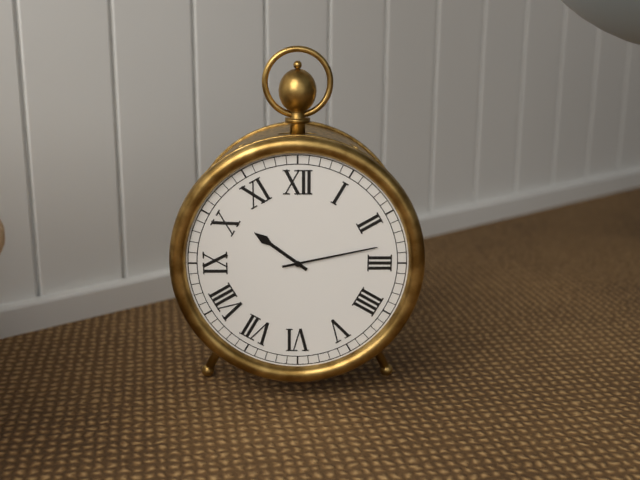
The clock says **10:13**
